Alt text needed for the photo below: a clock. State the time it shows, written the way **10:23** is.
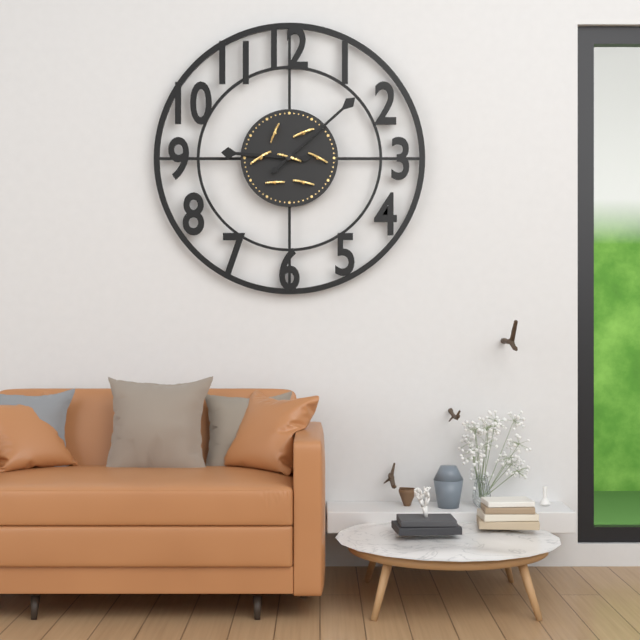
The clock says **9:08**
